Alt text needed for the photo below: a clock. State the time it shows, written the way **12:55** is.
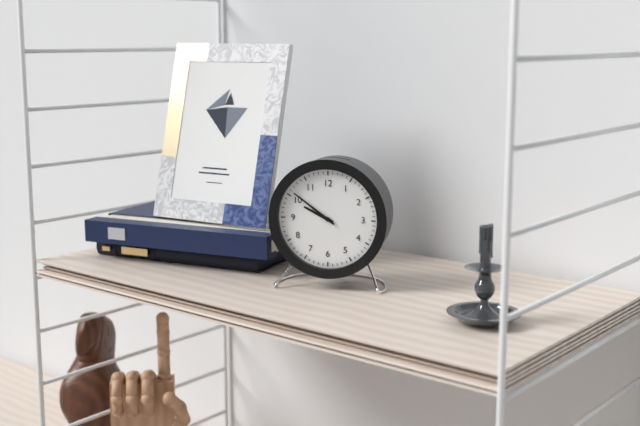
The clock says **9:51**
